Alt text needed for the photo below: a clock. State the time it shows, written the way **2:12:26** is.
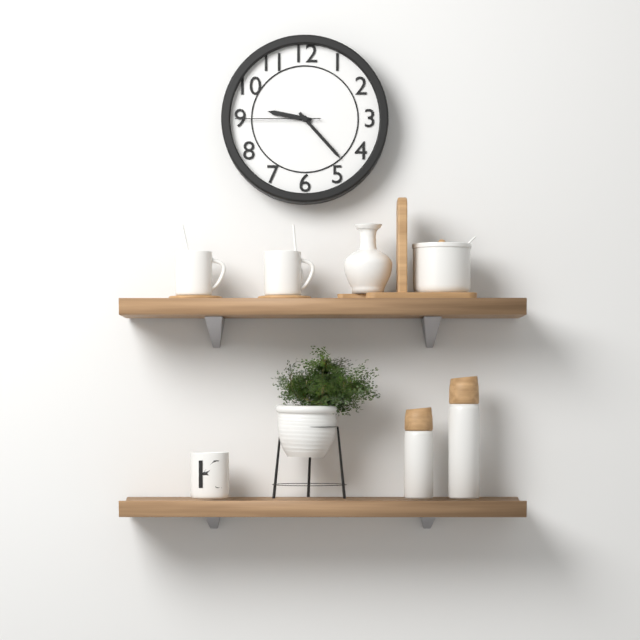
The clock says **9:23:45**
